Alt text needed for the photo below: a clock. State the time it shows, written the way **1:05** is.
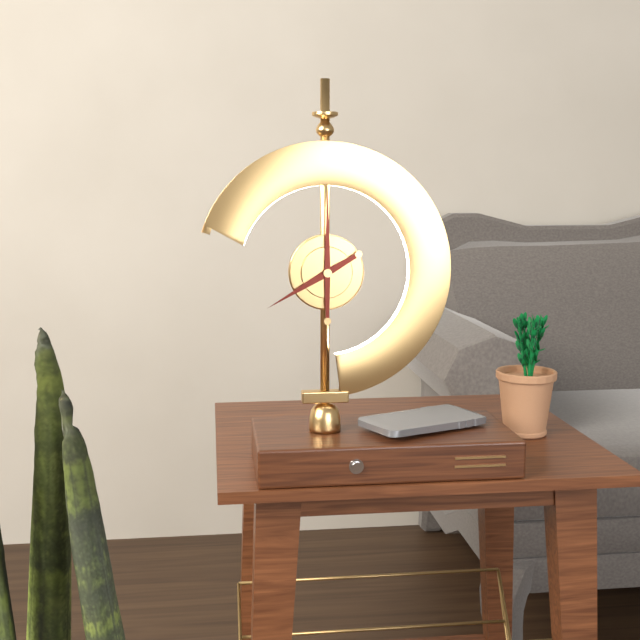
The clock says **8:00**
